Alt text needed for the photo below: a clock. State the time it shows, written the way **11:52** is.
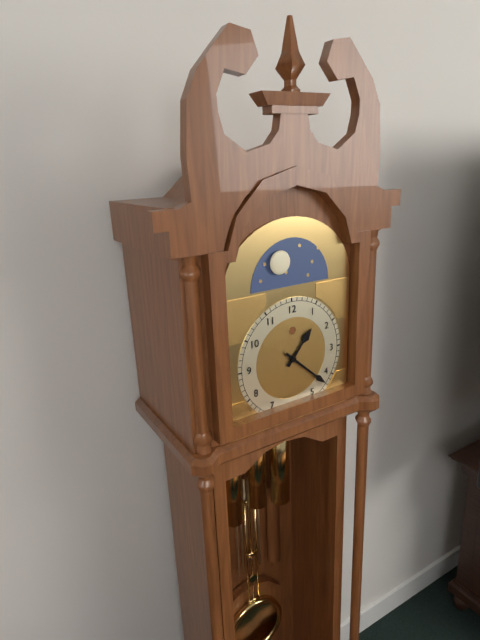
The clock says **1:22**
